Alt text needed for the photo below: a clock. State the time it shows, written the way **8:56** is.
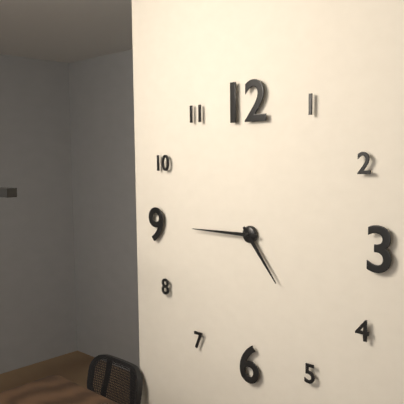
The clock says **4:45**
